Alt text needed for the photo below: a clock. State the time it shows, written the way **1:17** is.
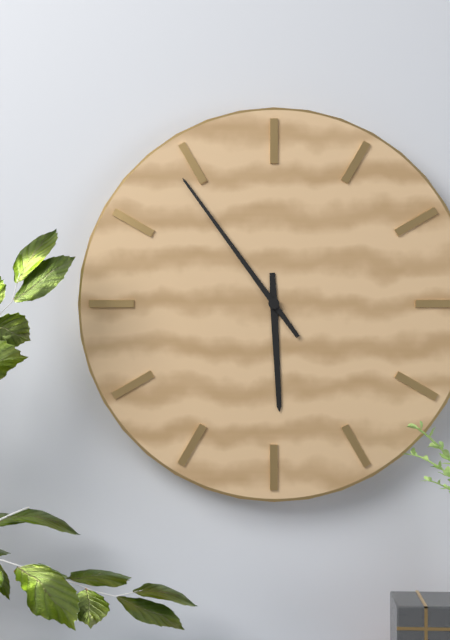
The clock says **5:54**
